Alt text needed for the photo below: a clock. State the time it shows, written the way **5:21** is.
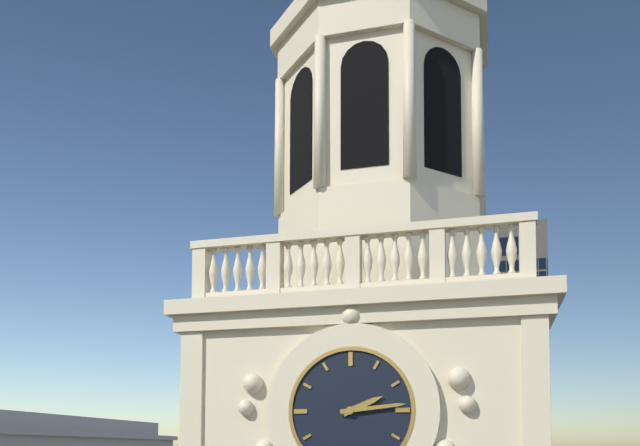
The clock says **2:14**
